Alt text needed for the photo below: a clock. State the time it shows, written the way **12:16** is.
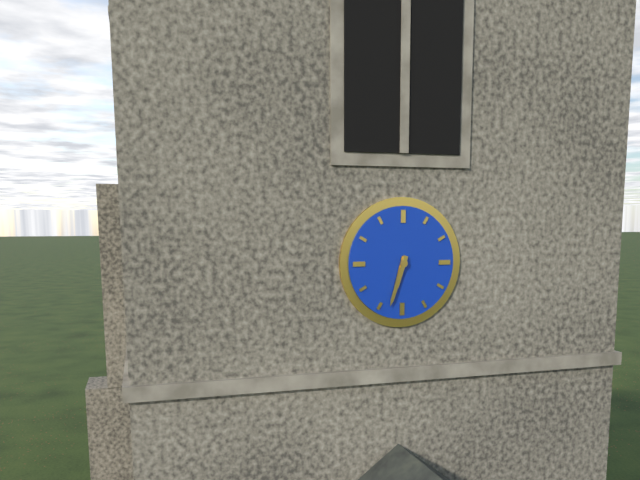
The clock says **6:33**
